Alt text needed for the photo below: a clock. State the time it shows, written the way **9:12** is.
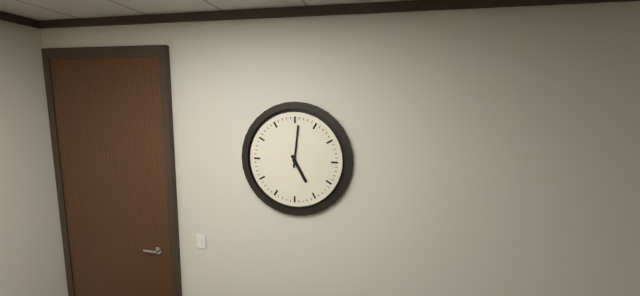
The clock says **5:01**
